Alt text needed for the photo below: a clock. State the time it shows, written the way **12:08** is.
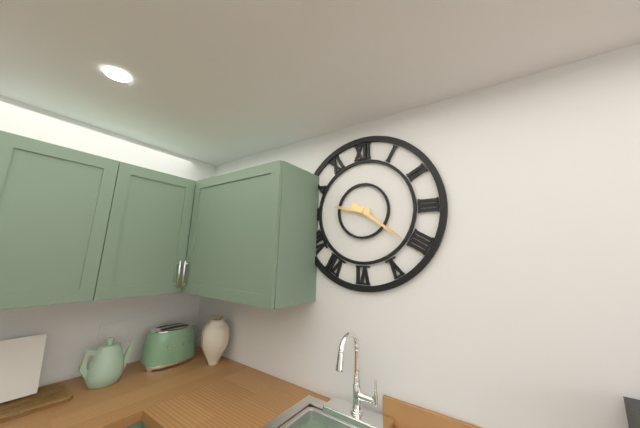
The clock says **9:21**
